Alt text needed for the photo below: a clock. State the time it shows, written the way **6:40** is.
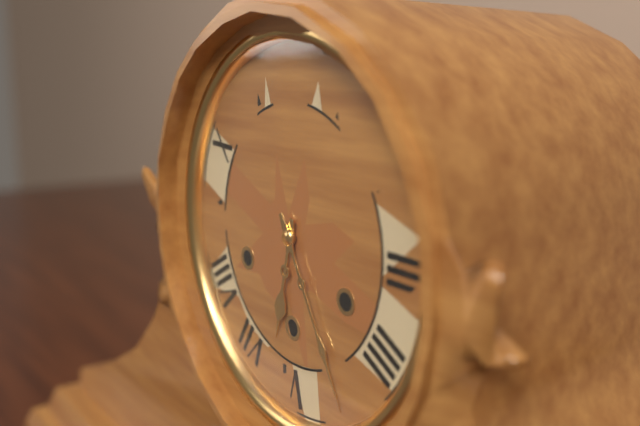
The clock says **6:25**
